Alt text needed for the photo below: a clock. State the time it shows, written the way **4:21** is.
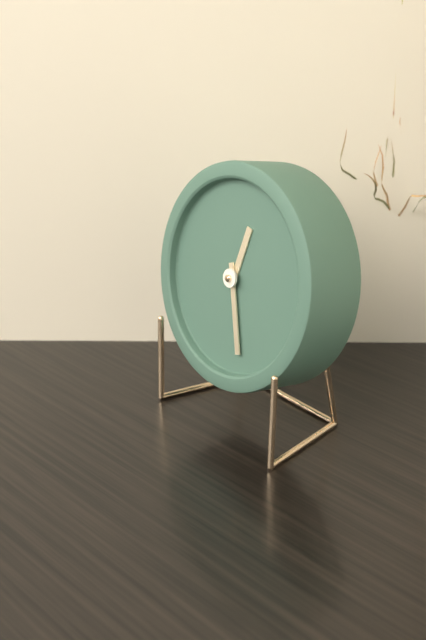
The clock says **12:27**
